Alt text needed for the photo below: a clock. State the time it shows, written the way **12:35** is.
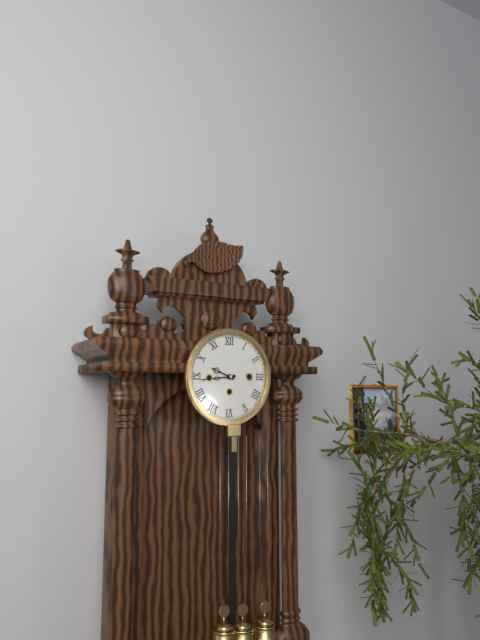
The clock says **9:44**
